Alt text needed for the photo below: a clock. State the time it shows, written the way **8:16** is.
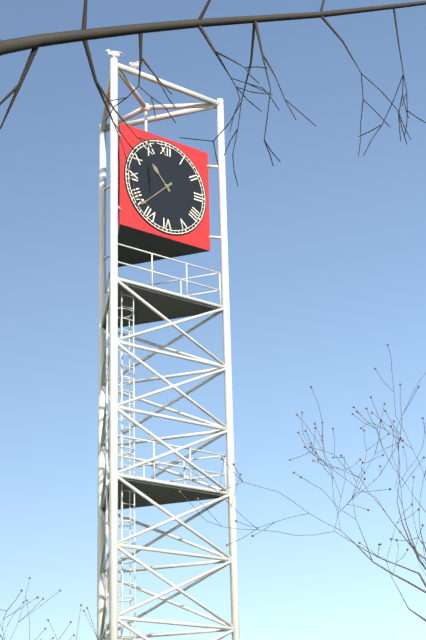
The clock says **10:38**
